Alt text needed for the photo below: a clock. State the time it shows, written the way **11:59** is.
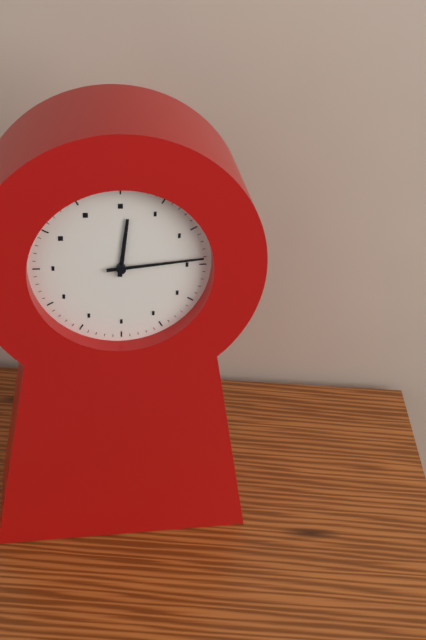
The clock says **12:14**
